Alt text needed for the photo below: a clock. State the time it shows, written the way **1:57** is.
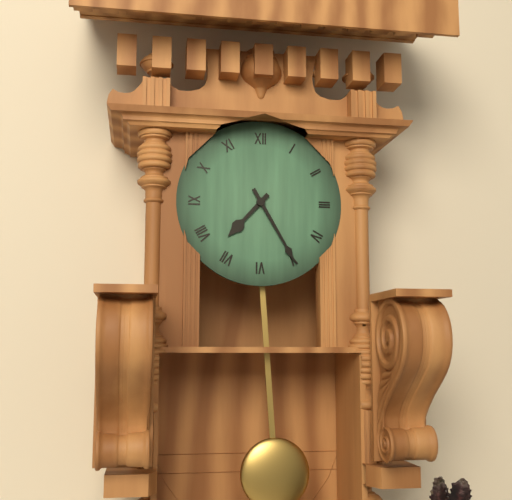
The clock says **7:25**
